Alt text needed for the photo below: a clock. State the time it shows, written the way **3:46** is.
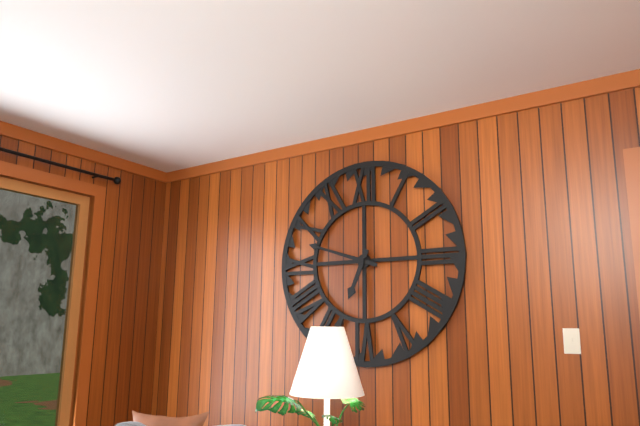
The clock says **6:48**
